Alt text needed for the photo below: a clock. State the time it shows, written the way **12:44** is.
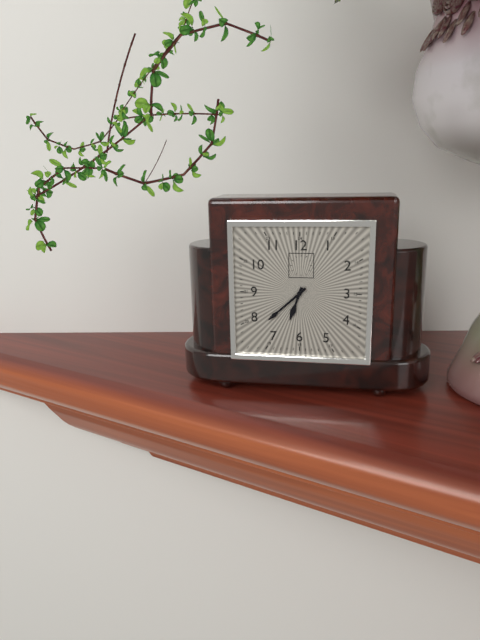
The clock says **6:38**
